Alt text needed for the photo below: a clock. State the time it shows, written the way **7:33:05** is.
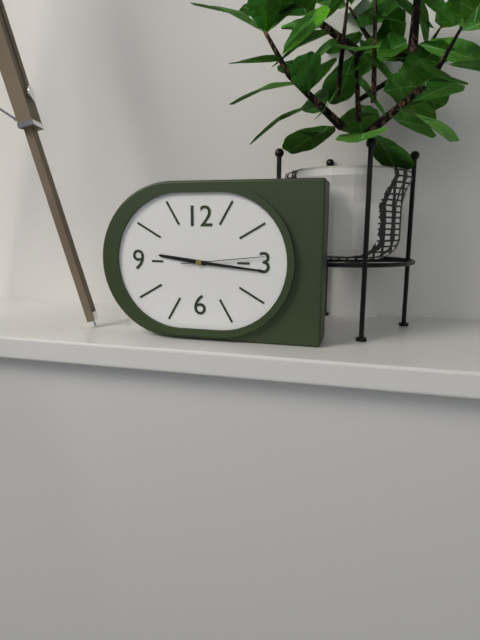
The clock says **9:16:14**
